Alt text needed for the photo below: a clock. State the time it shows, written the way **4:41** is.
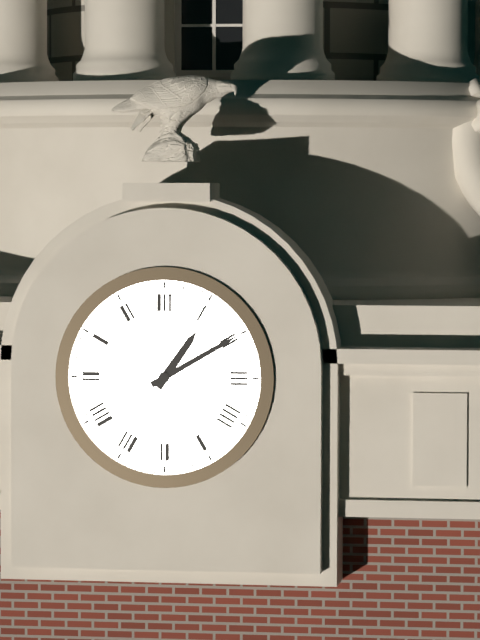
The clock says **1:10**
